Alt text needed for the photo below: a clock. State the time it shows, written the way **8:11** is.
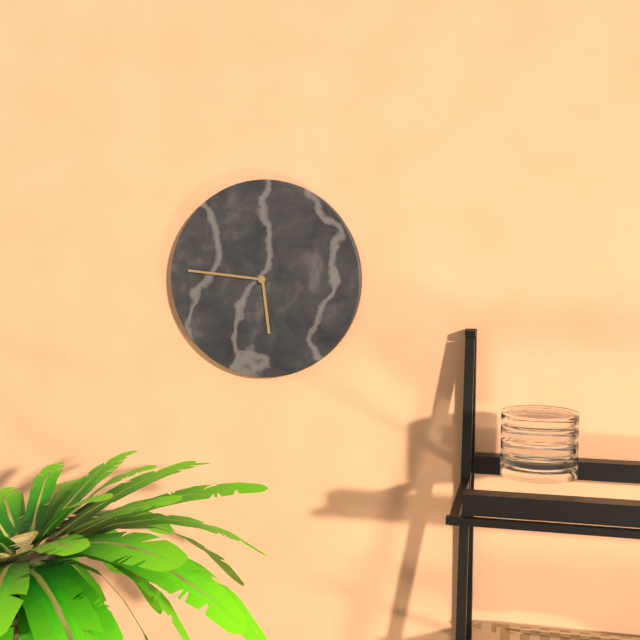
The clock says **5:46**
